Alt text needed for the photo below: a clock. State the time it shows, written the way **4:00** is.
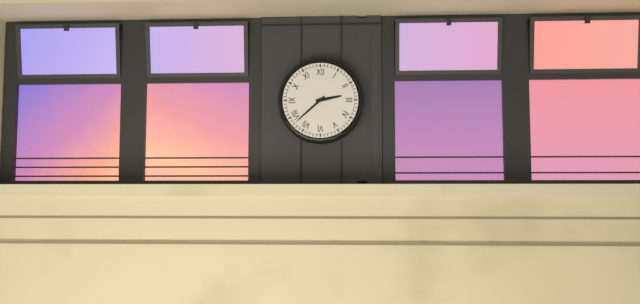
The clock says **2:38**
